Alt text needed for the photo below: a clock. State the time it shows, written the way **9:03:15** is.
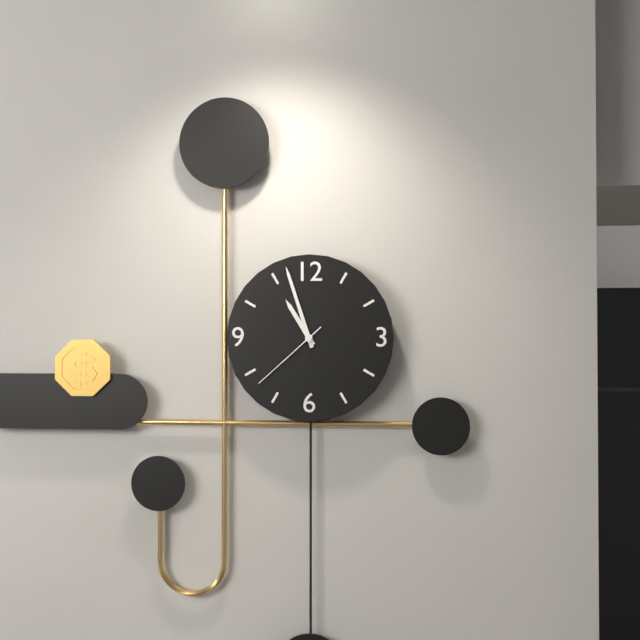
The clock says **10:57:38**
